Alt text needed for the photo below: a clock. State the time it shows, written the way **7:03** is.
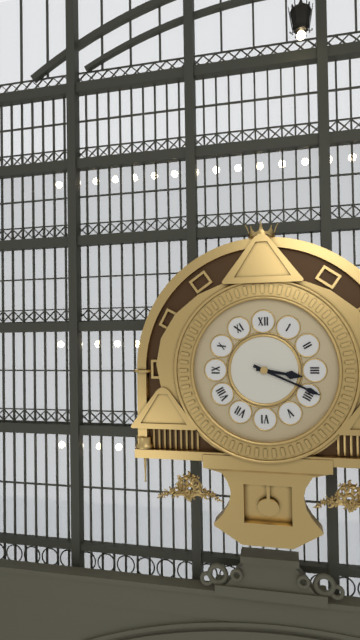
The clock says **3:19**
